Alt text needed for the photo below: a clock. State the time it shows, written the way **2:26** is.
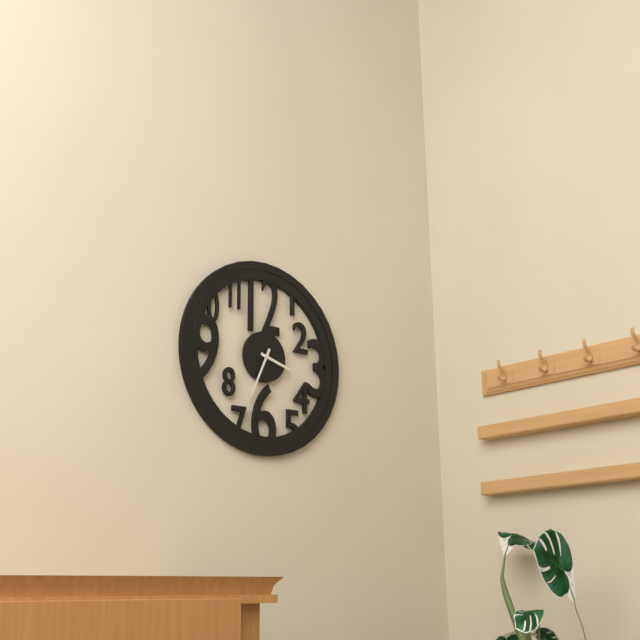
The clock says **3:34**
